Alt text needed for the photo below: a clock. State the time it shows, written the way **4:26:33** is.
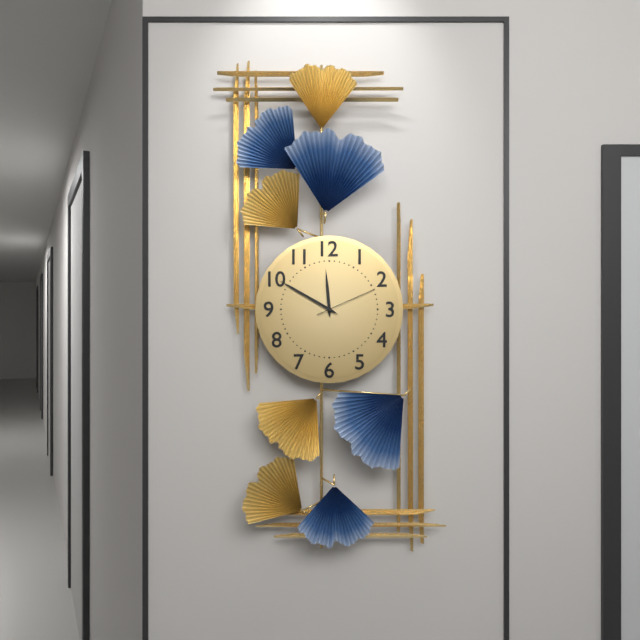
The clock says **11:50:11**
